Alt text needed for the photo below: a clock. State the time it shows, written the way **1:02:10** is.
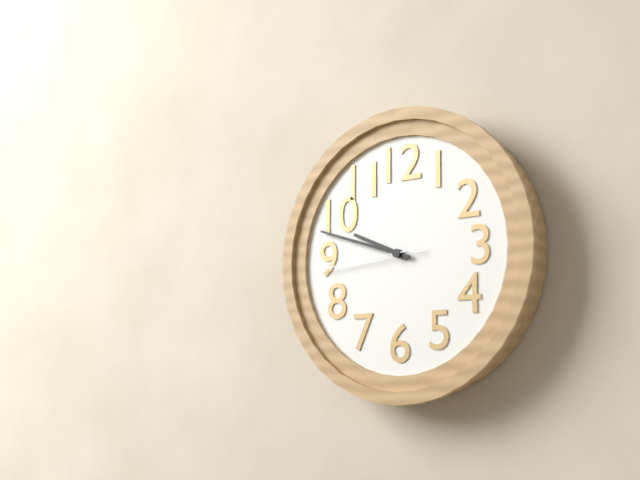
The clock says **9:48:44**
